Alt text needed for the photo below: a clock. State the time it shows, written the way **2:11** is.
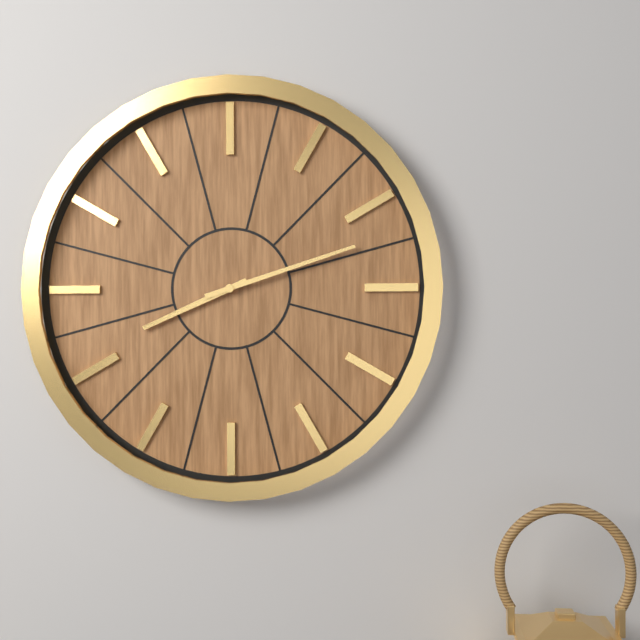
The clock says **8:12**
